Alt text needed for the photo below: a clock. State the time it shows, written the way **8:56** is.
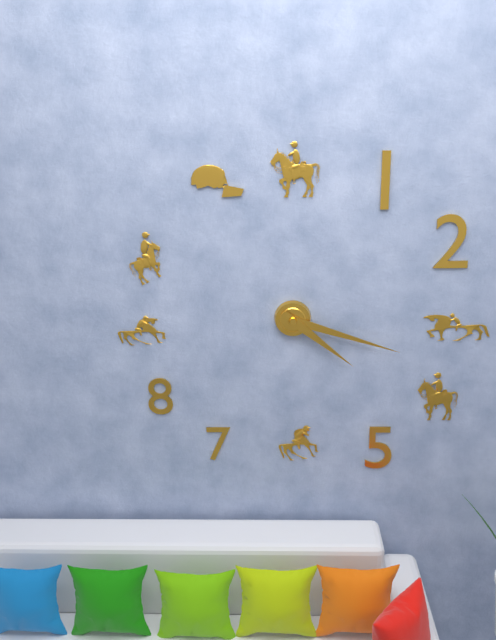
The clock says **4:18**
